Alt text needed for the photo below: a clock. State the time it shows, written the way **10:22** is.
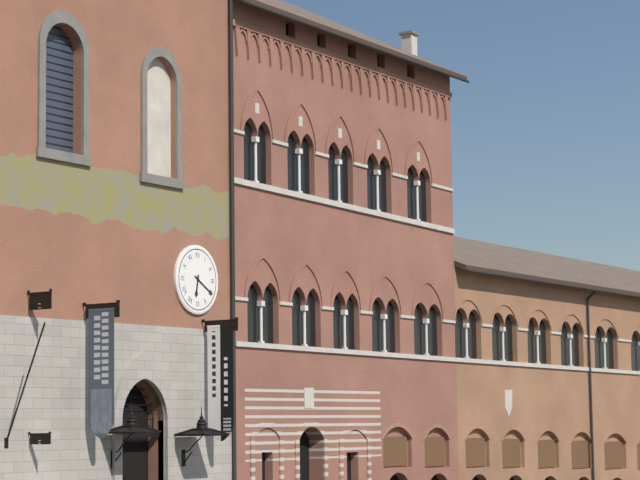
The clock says **6:20**
